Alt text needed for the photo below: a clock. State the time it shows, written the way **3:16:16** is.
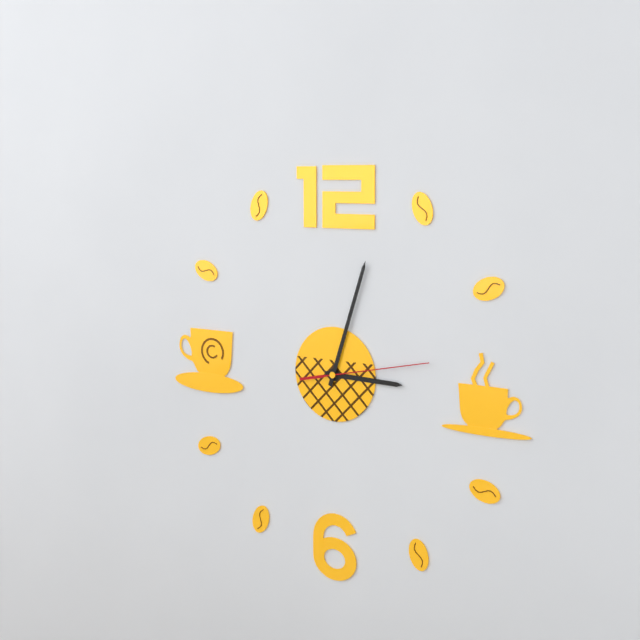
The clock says **3:03:13**
